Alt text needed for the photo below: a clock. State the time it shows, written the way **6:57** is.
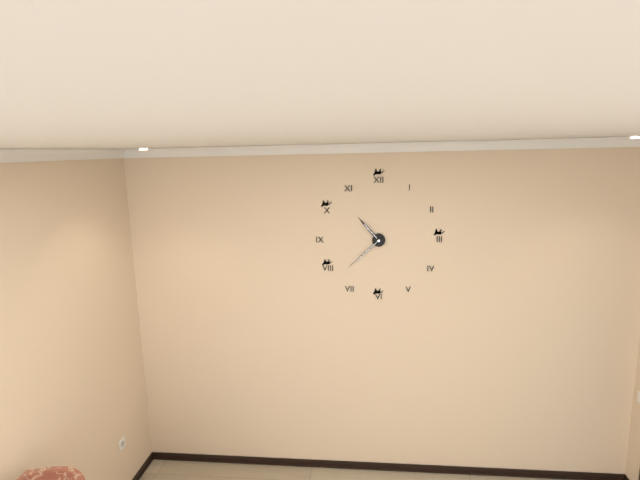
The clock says **10:38**
